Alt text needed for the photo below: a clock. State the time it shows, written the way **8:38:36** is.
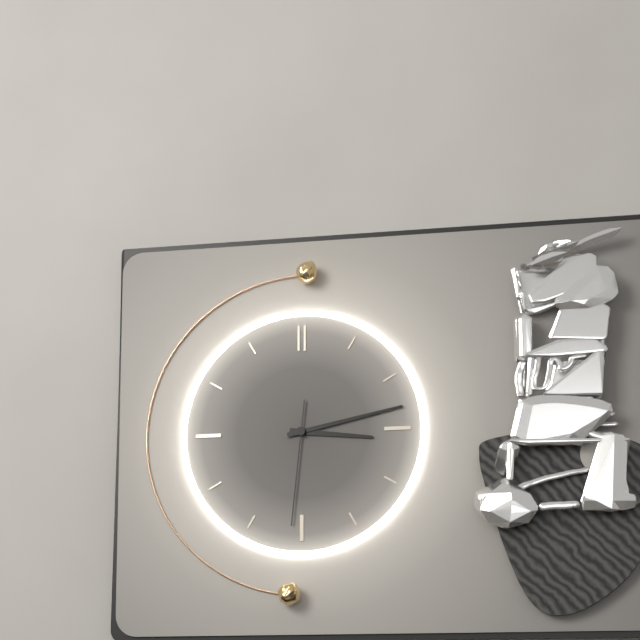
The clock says **3:13:31**
